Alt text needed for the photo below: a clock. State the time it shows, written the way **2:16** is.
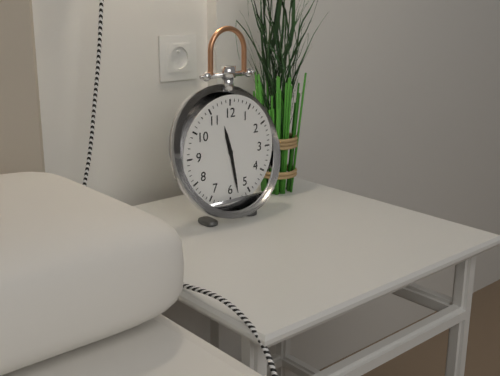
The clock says **11:28**
